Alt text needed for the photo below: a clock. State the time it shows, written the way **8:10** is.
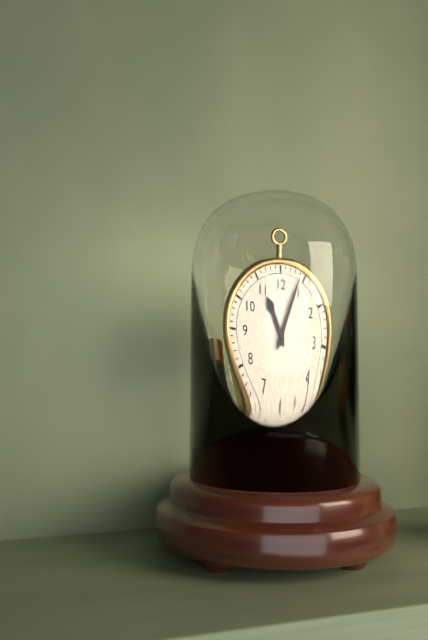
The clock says **11:04**
